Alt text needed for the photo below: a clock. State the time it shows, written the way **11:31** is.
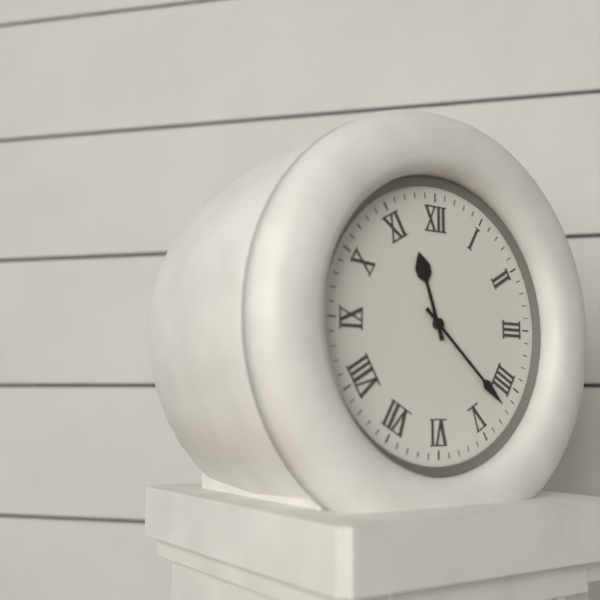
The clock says **11:22**
